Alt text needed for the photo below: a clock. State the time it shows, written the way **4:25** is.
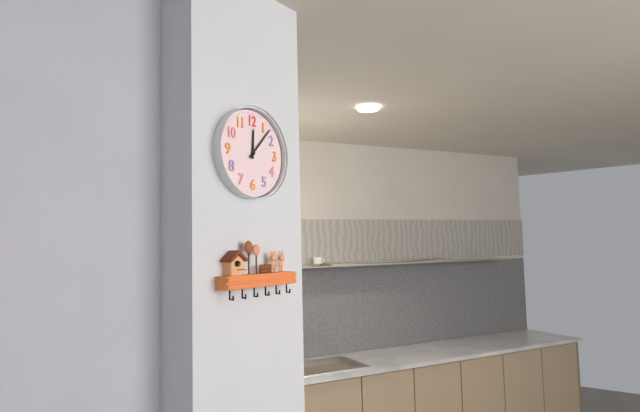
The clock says **12:07**
